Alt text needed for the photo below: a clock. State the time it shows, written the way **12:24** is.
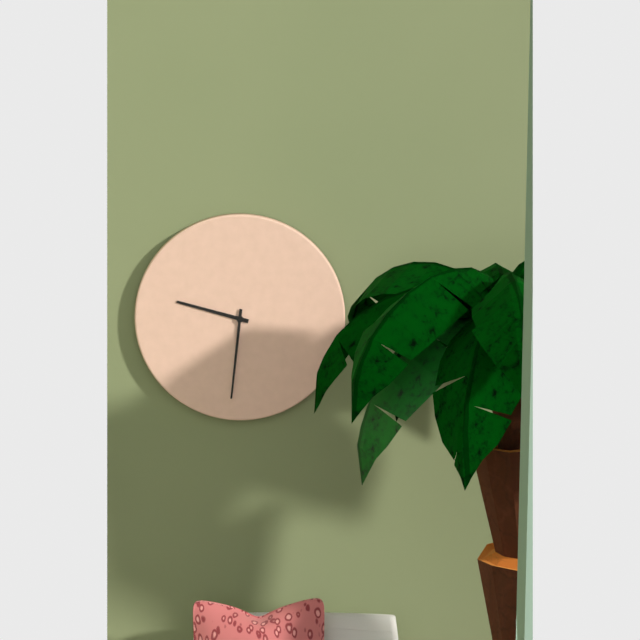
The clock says **9:31**
